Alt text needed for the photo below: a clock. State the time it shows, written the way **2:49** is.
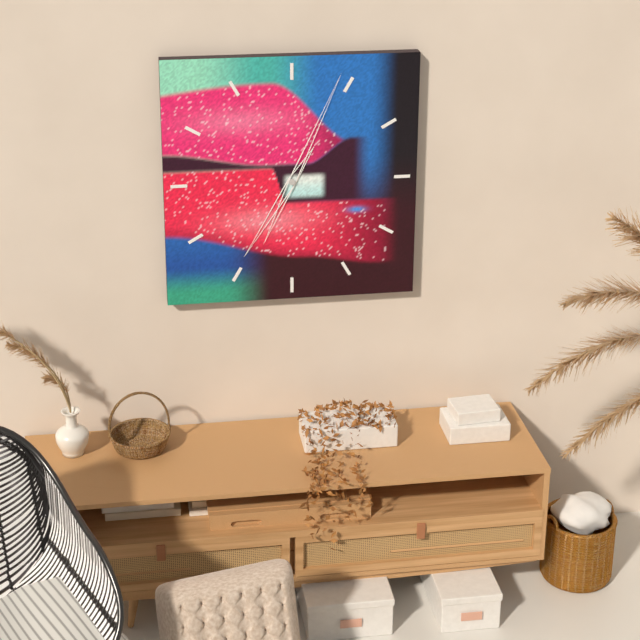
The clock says **7:04**
